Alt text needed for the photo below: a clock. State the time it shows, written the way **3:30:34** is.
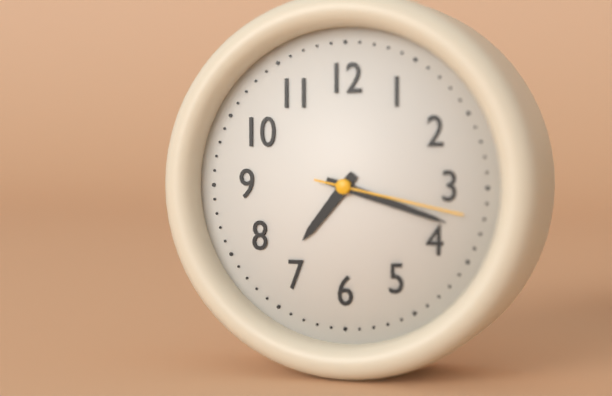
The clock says **7:18:17**
